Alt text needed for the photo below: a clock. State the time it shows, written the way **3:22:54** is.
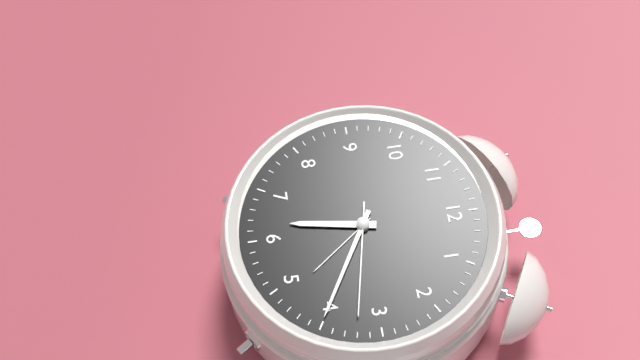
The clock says **6:20:17**
